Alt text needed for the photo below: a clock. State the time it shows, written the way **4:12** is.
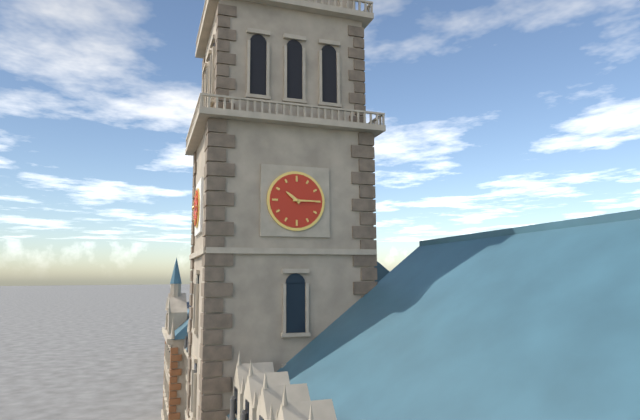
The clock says **10:15**
